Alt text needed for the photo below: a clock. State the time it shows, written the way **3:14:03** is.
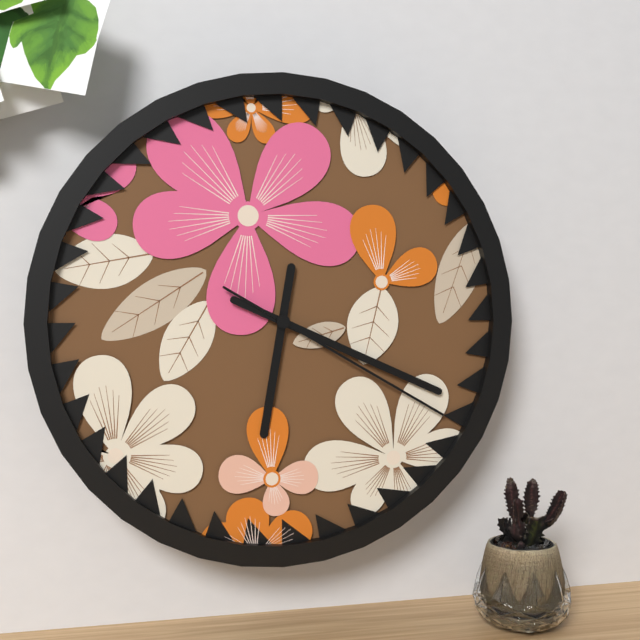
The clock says **6:19:20**
